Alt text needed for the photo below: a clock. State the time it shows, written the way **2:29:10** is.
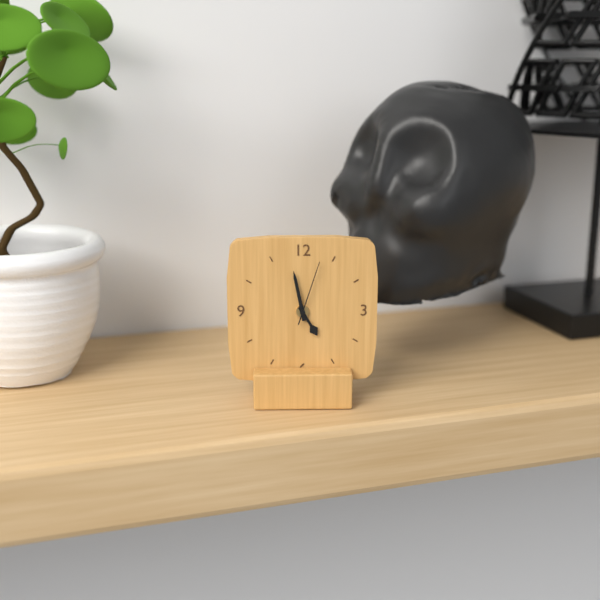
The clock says **4:58:03**
